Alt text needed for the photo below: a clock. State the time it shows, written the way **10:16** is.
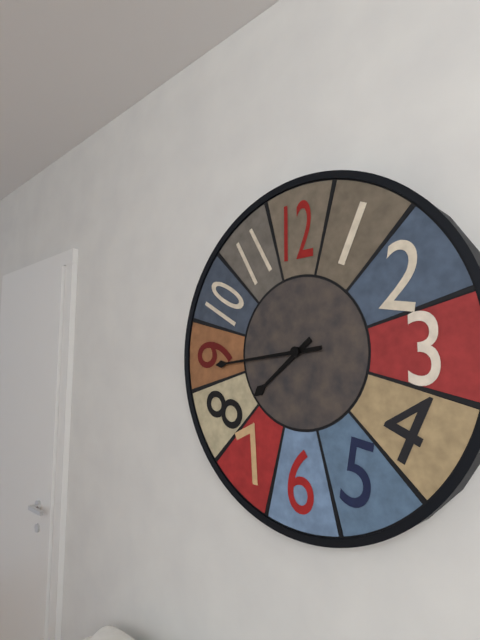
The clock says **7:44**
